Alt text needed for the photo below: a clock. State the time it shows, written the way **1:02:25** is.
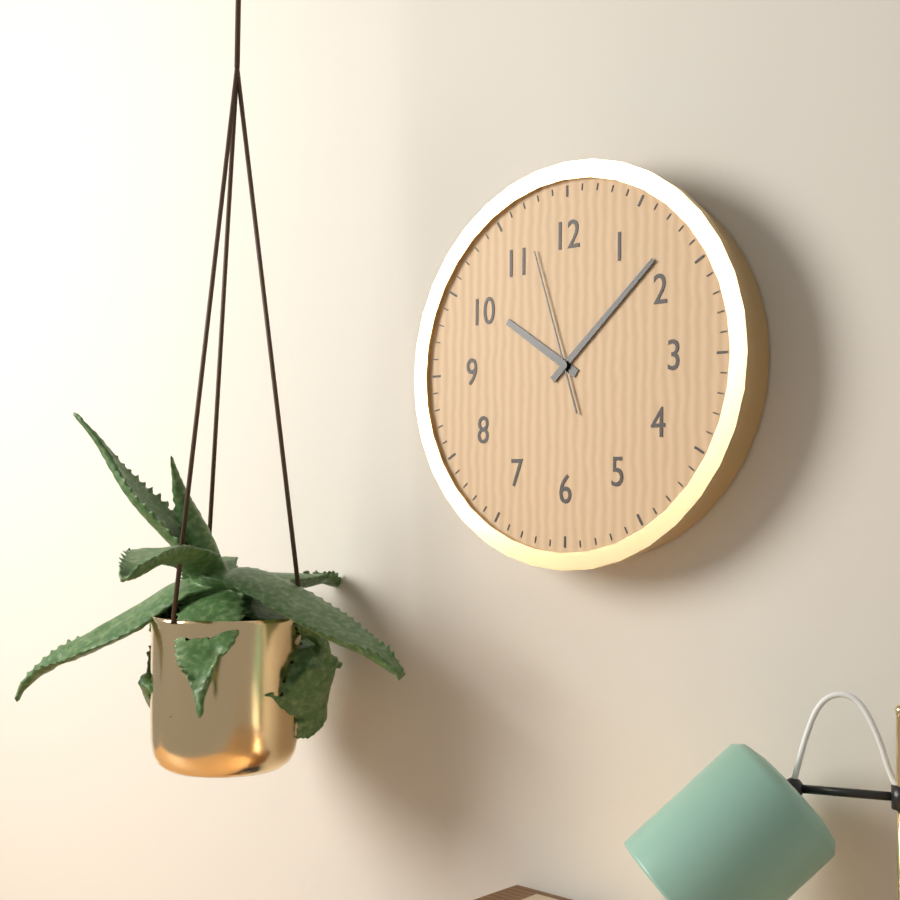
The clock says **10:08:57**
